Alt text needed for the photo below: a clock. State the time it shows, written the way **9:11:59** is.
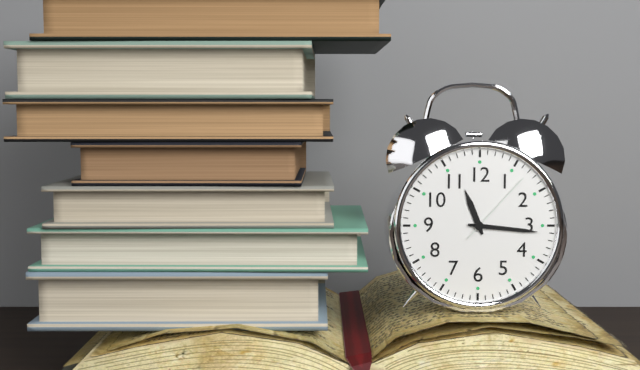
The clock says **11:16:07**
